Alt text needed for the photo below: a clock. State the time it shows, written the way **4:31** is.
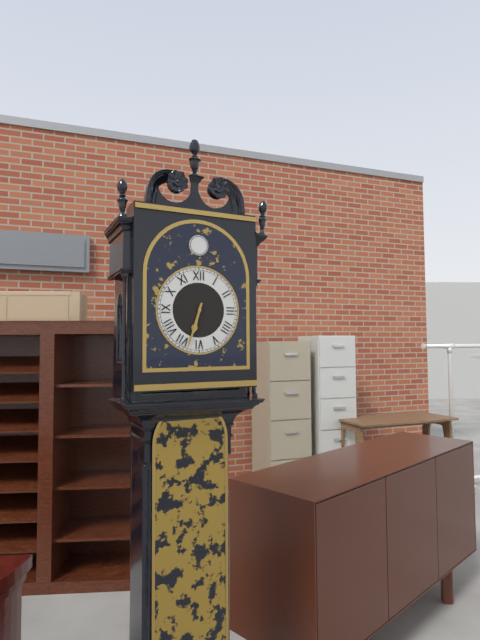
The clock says **6:33**
